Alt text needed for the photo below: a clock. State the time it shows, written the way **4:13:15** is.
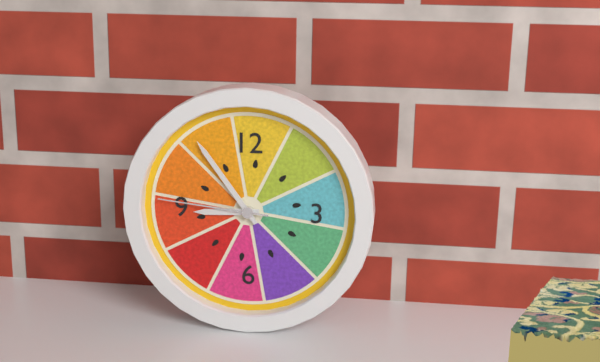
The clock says **8:54:46**
